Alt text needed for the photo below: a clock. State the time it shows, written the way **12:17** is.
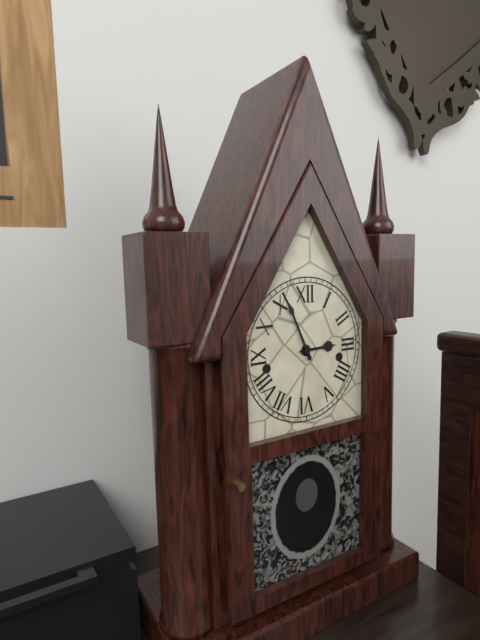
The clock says **2:56**
